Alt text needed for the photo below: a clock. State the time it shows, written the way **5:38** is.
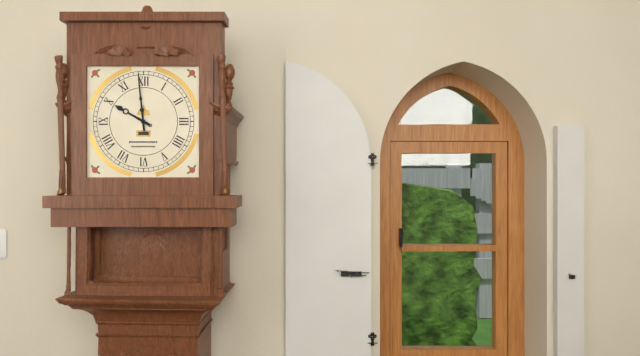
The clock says **9:59**
